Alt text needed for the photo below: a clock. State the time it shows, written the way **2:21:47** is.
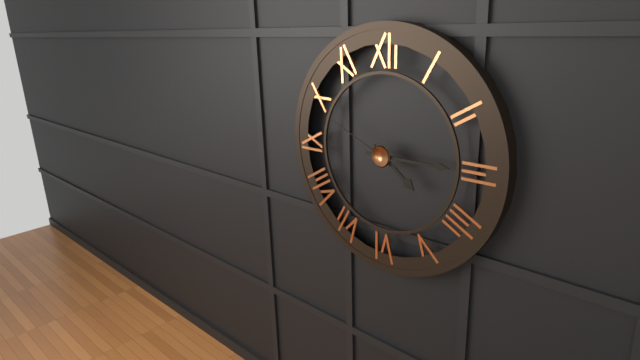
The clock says **4:15:49**
